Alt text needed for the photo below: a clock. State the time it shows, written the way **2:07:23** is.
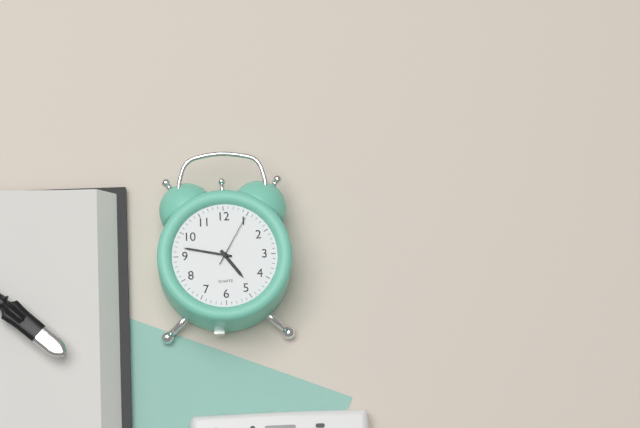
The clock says **4:47:05**
